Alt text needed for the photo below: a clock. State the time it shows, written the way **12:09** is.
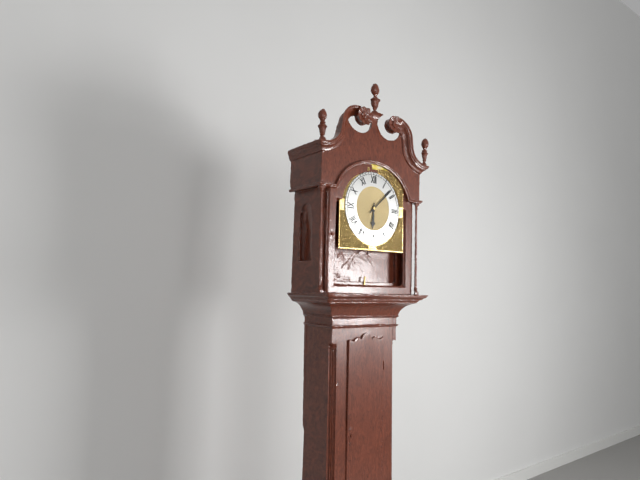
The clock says **6:08**
